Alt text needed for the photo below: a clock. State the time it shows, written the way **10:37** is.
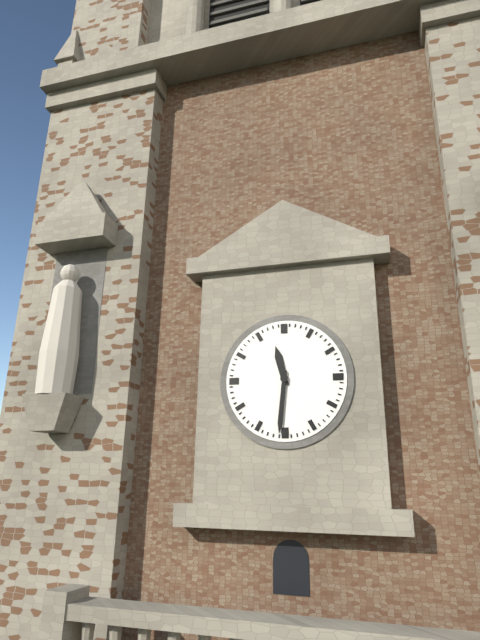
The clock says **11:31**
